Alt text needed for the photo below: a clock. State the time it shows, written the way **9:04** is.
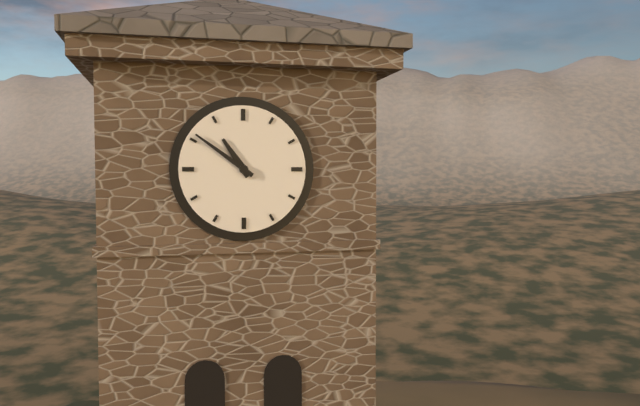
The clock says **10:51**
